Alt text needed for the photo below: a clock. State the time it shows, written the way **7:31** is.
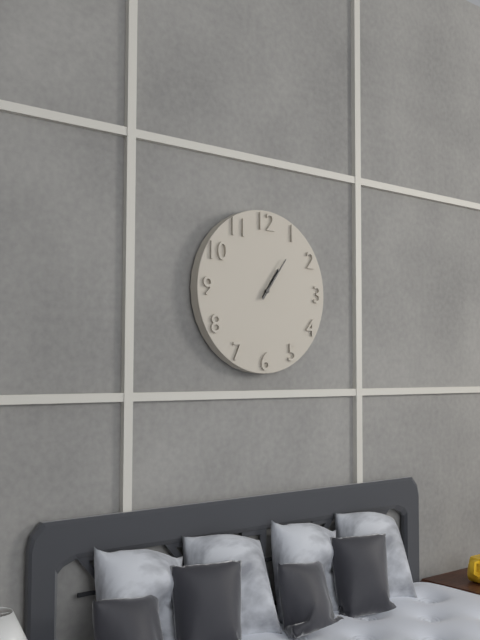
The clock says **1:06**
